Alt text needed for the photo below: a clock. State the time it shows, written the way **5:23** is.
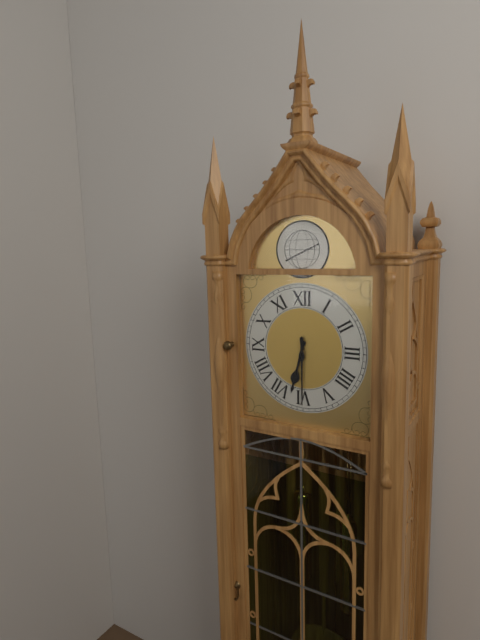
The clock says **6:30**
